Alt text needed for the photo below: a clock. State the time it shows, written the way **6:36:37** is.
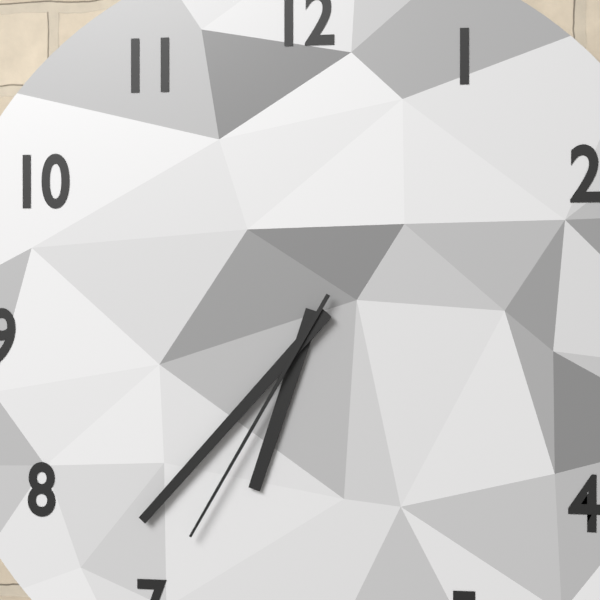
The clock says **6:37:35**
